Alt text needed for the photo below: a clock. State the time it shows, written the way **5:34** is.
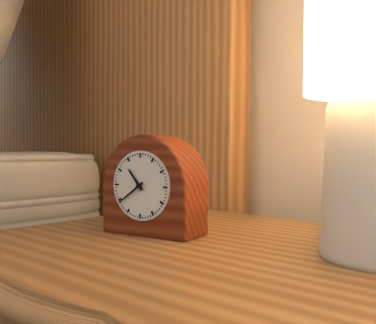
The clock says **10:39**
